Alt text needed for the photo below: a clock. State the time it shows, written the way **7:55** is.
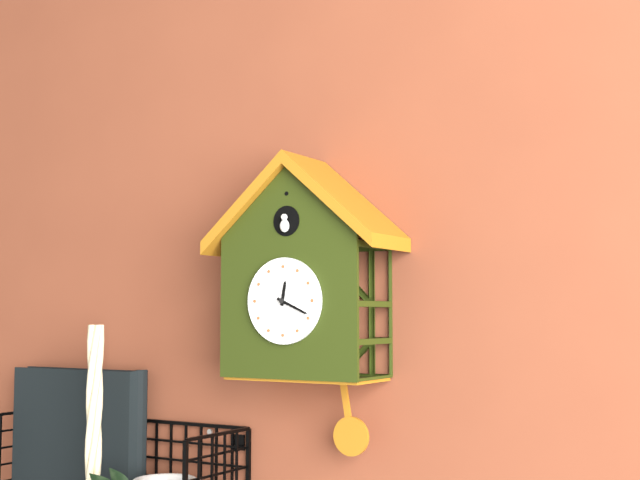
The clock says **12:19**
